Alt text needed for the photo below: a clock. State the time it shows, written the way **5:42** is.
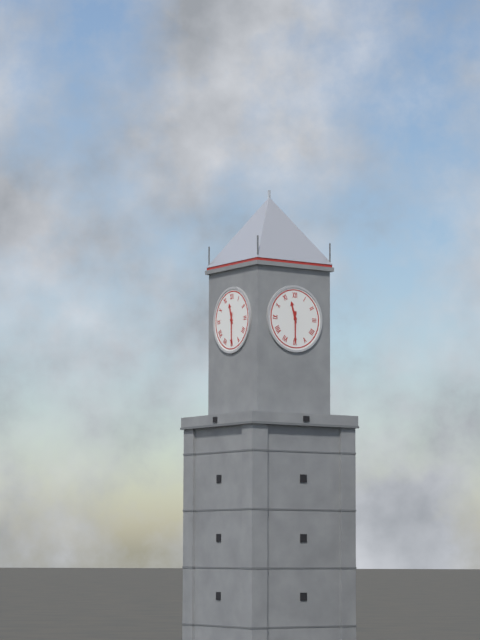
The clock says **11:30**
